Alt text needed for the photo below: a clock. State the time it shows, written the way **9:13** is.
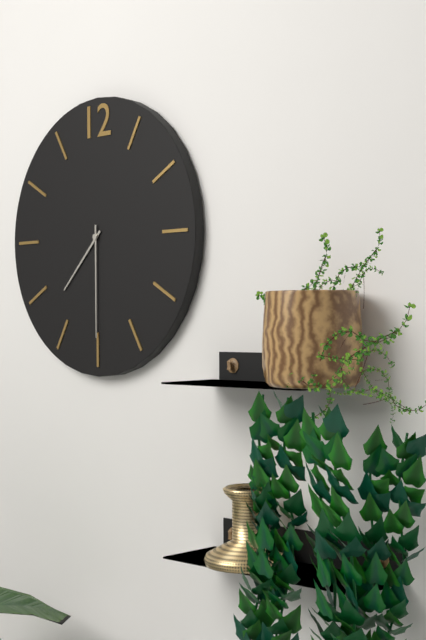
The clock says **7:30**
